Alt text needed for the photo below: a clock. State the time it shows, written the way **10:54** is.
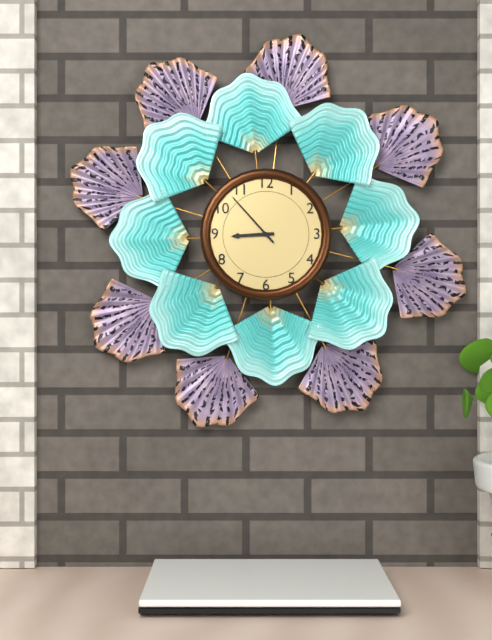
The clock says **8:53**
